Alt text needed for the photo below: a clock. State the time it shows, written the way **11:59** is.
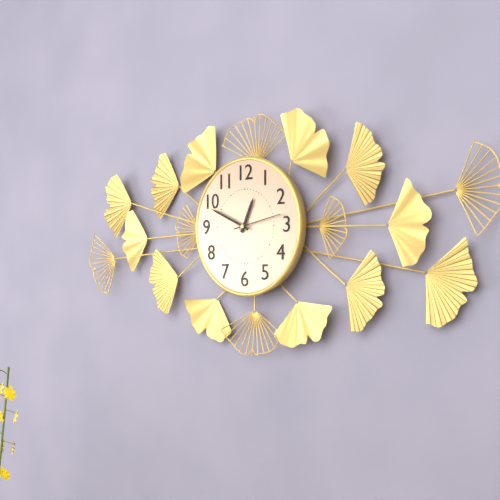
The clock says **12:49**
